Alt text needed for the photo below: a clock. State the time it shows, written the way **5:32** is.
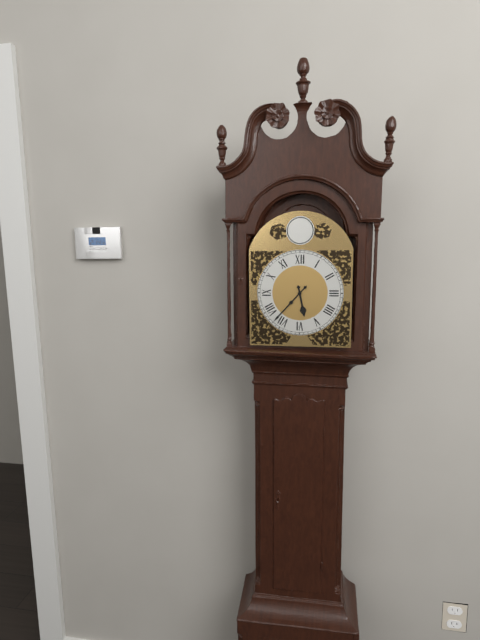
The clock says **5:37**
